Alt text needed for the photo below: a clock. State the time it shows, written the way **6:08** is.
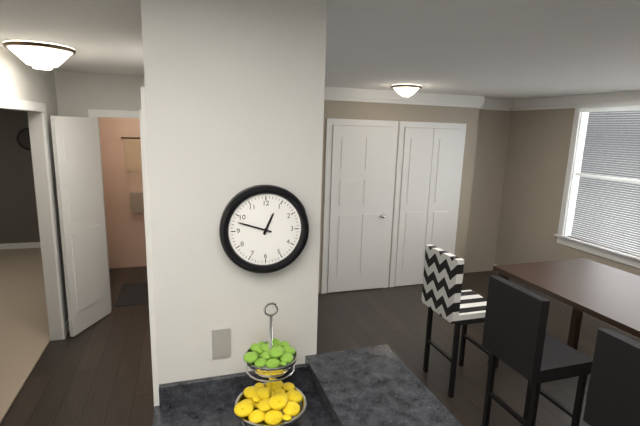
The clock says **12:48**
